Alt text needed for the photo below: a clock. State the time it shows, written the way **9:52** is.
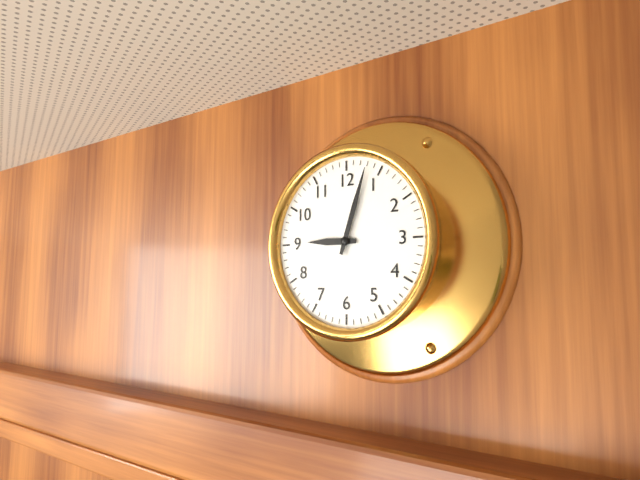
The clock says **9:03**
